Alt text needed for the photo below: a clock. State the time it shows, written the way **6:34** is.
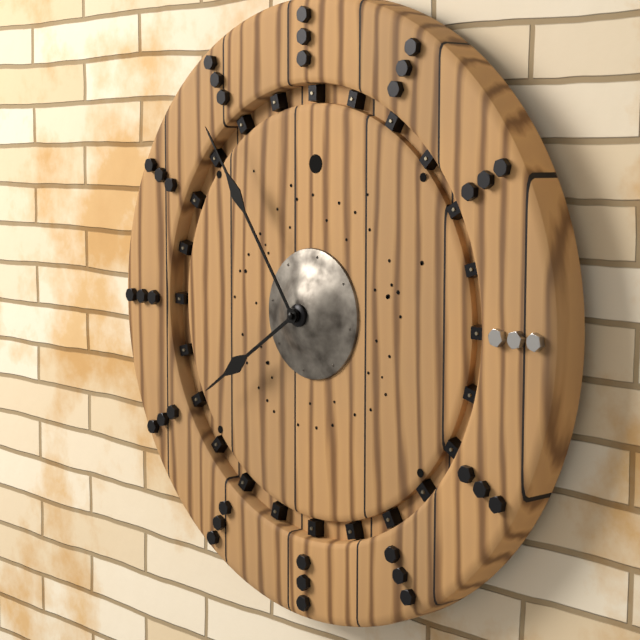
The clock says **7:54**
